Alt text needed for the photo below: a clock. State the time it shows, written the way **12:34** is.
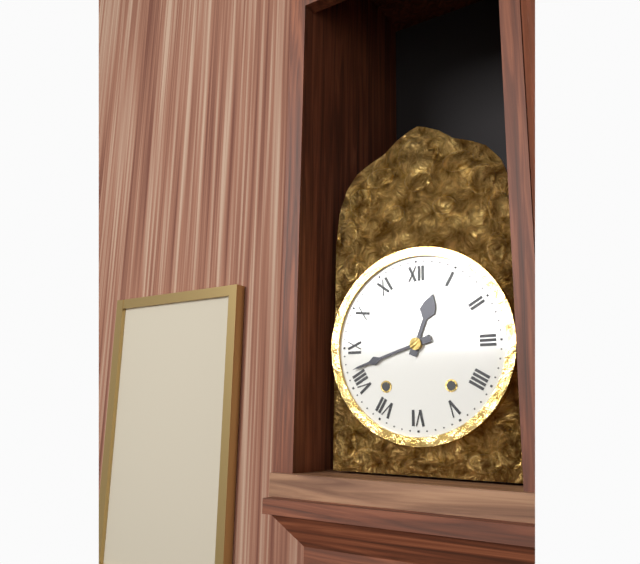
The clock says **12:42**
